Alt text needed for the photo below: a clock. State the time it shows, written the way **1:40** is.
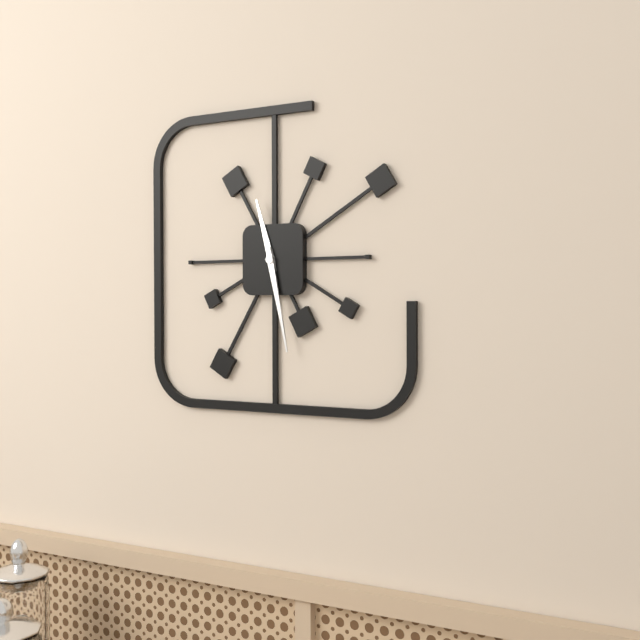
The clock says **11:28**
